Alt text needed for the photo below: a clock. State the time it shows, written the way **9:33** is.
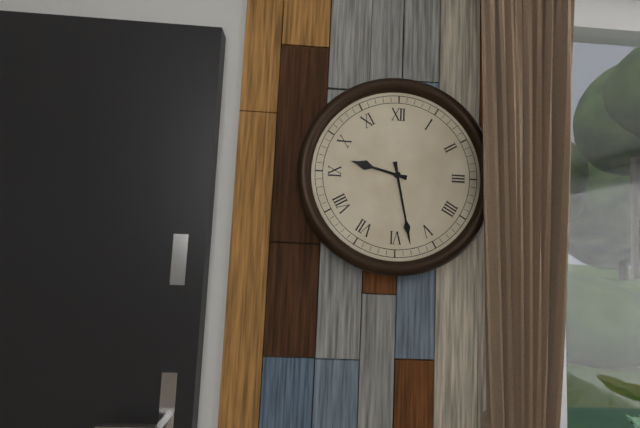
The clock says **9:28**
